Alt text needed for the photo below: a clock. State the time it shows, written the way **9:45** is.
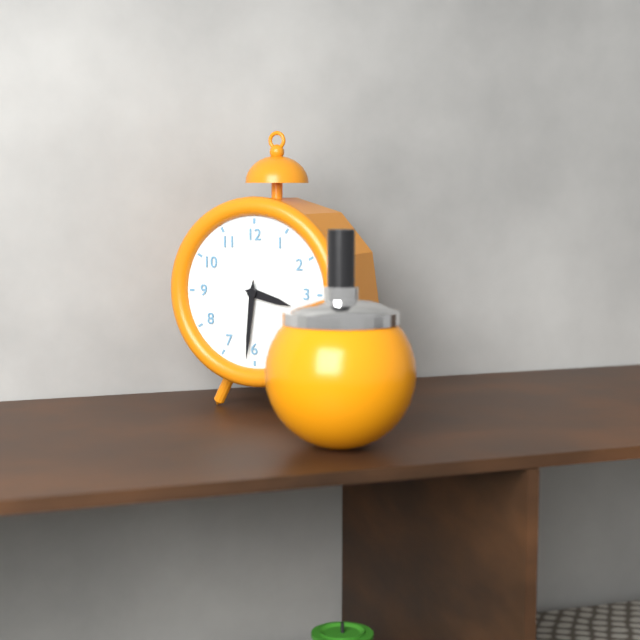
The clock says **3:31**
